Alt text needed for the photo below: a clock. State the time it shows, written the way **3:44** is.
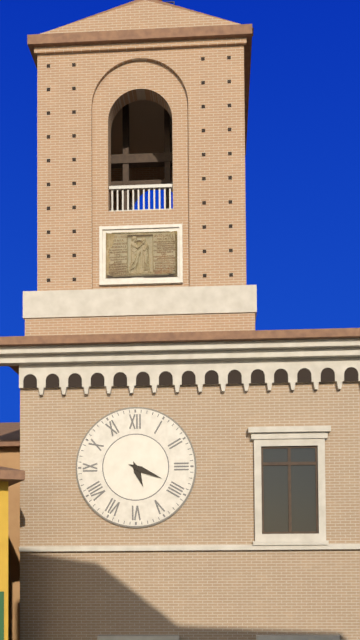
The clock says **5:19**
